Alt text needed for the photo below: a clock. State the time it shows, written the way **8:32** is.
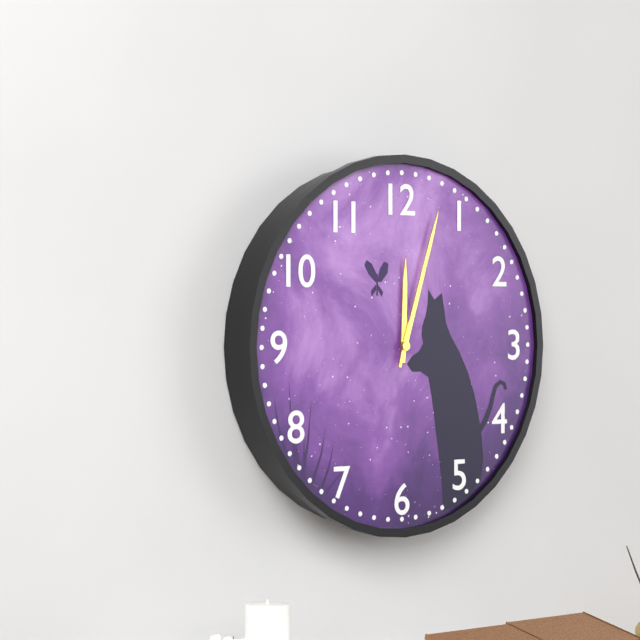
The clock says **12:03**
